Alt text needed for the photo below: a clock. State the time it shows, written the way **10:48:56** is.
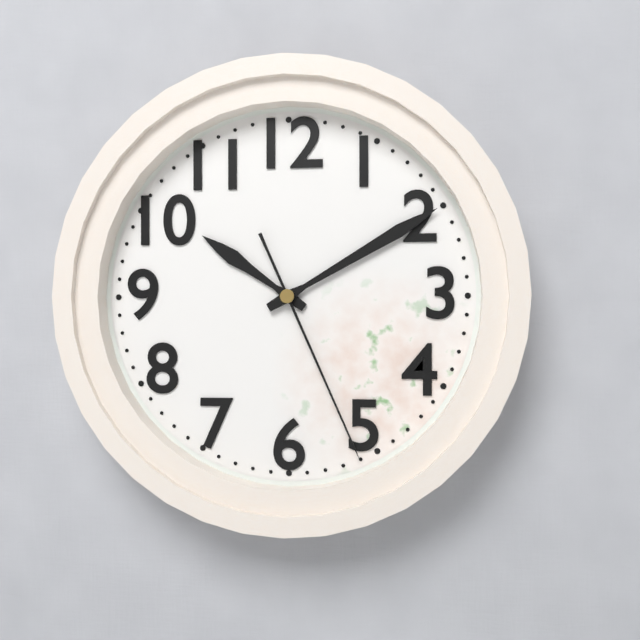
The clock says **10:10:26**
